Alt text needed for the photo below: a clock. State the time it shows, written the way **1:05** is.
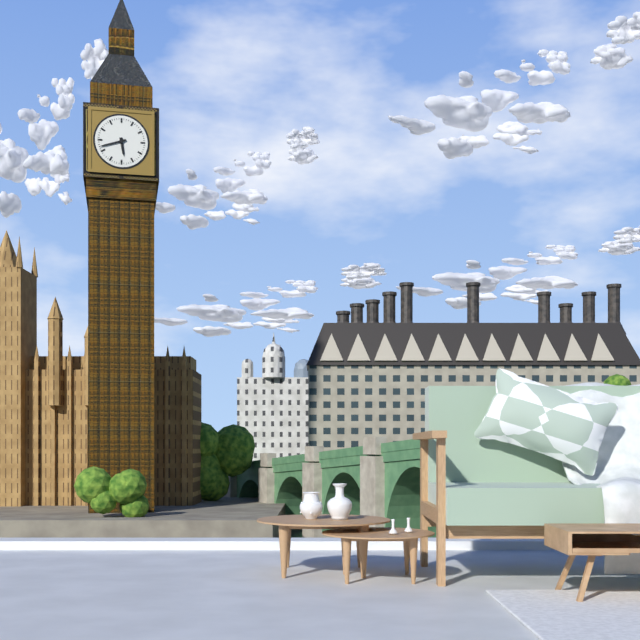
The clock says **5:42**
